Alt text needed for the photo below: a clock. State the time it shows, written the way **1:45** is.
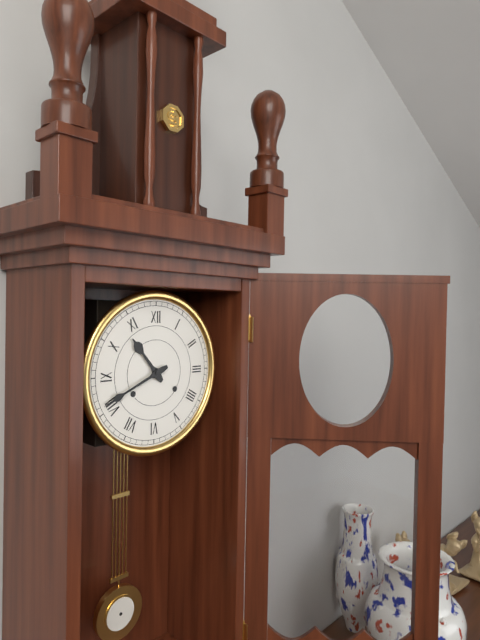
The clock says **10:41**
